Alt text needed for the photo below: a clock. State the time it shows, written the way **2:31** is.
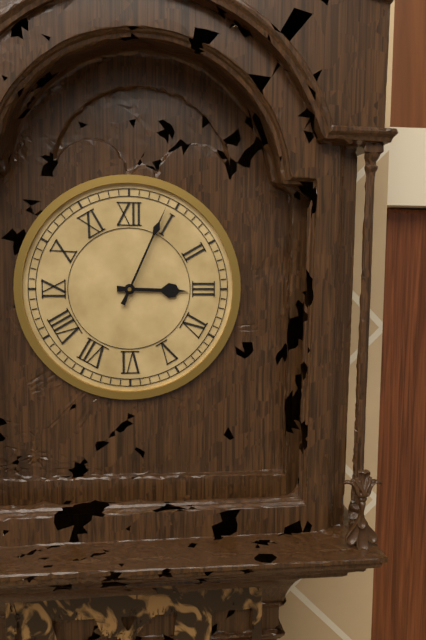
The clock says **3:04**
